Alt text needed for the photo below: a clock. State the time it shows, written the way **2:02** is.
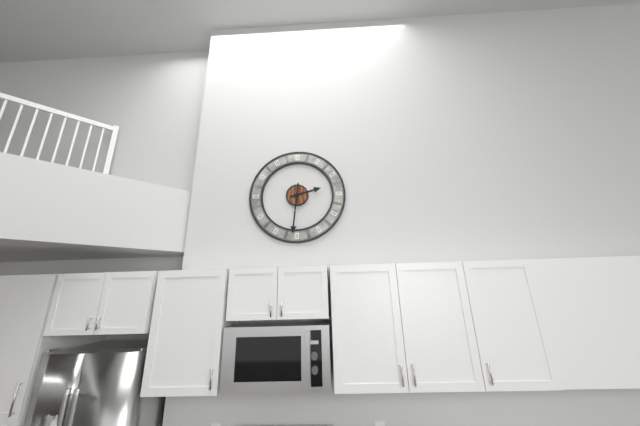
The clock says **2:31**
